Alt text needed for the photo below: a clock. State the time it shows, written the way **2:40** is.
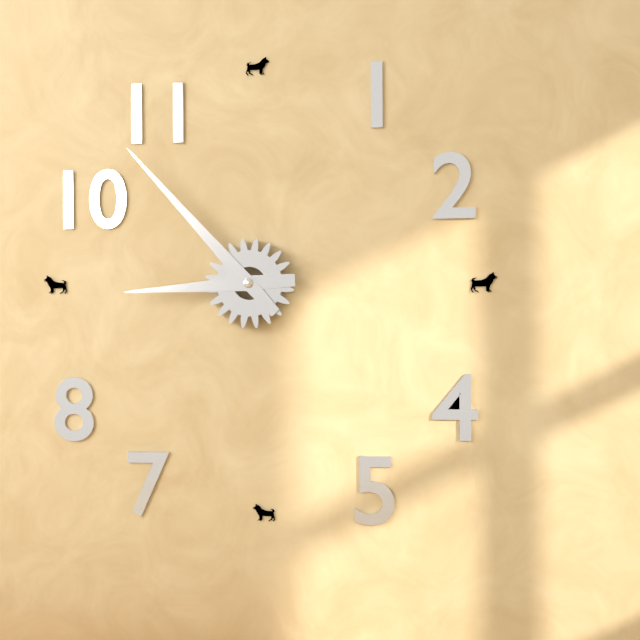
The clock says **8:53**
